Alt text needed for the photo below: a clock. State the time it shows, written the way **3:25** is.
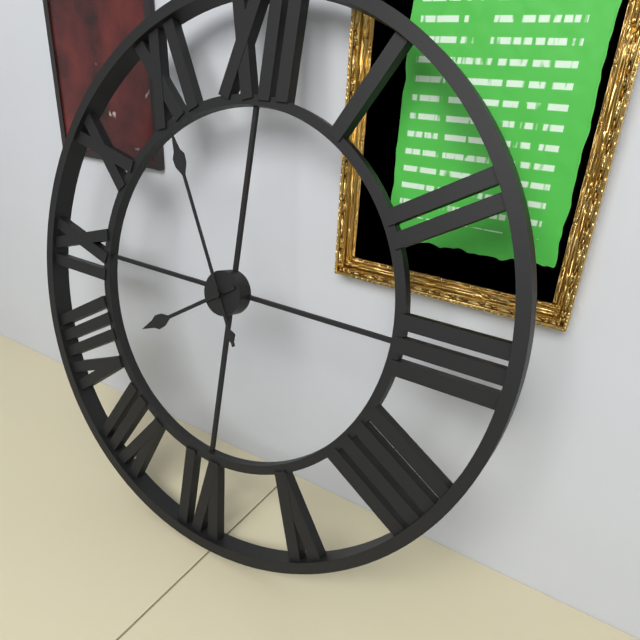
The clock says **7:55**
